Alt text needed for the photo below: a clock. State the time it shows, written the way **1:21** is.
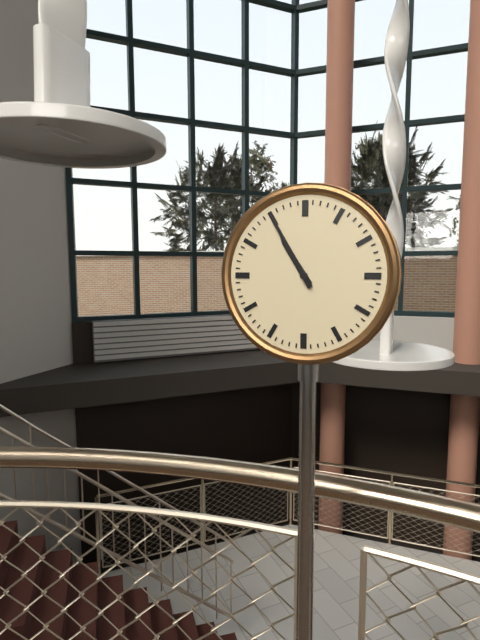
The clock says **10:55**
